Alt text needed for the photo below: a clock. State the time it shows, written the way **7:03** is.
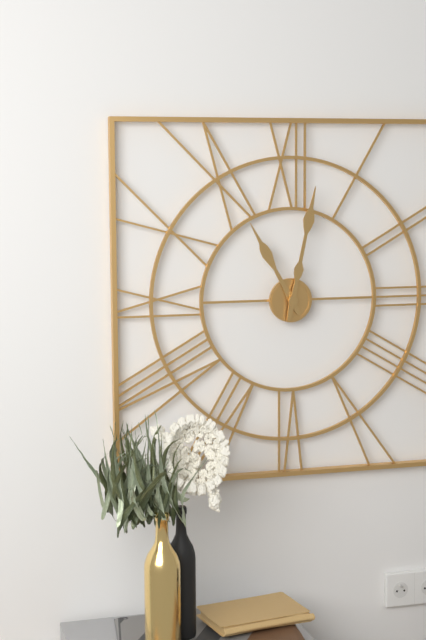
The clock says **11:02**
